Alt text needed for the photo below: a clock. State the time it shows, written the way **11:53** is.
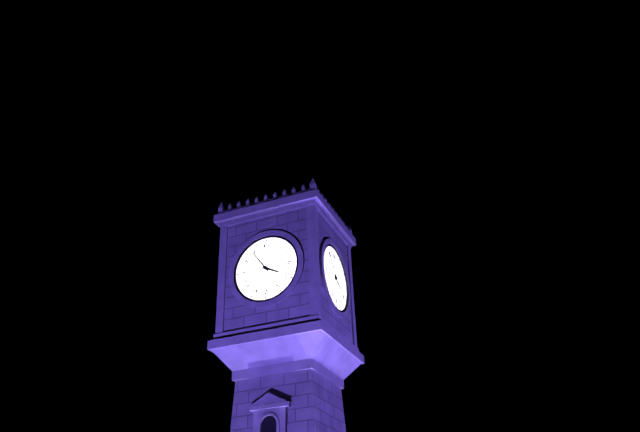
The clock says **3:54**
